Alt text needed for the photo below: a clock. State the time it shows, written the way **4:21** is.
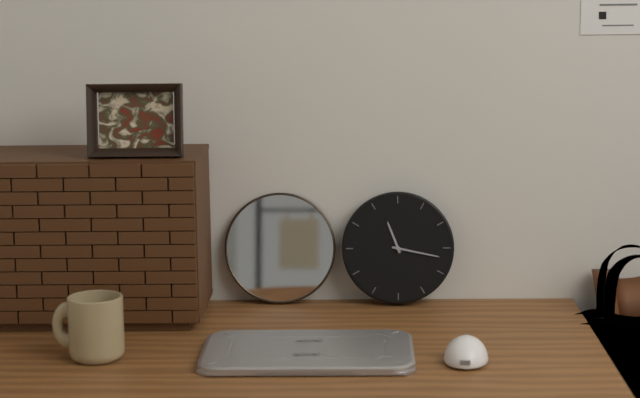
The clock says **11:17**
